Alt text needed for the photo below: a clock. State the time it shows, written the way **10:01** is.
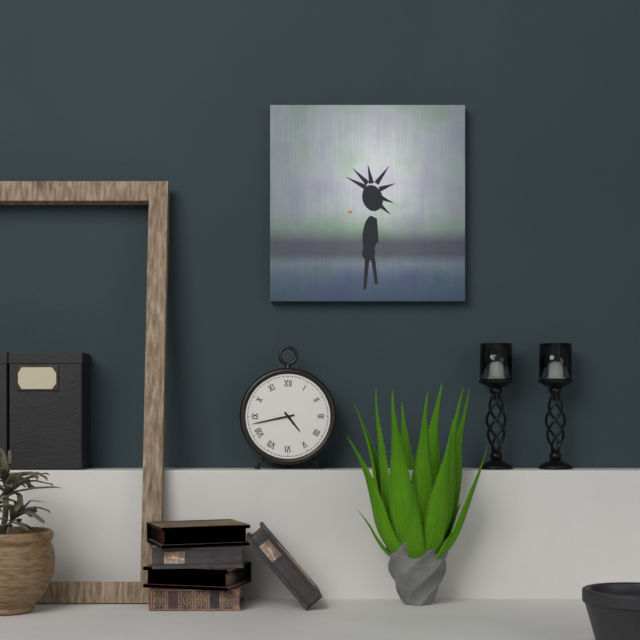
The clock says **4:43**
